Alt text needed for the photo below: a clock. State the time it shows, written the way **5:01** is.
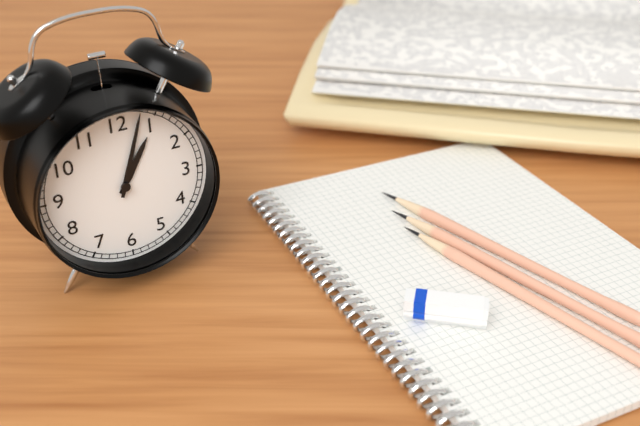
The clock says **1:03**
